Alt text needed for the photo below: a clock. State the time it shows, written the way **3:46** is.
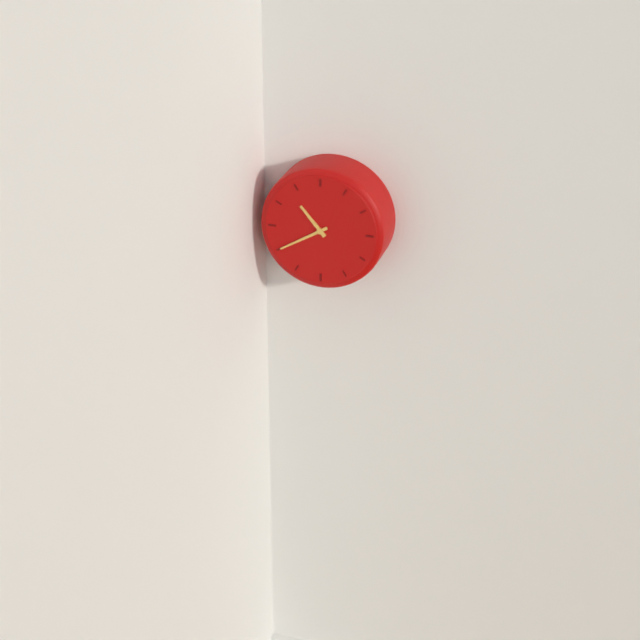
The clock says **10:40**
